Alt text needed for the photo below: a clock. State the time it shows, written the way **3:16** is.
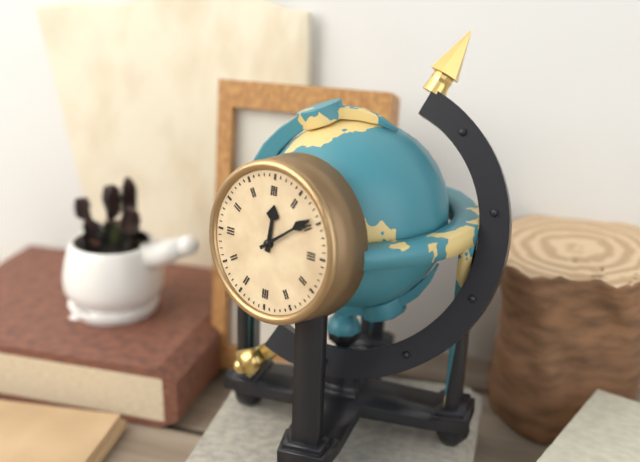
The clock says **12:09**
